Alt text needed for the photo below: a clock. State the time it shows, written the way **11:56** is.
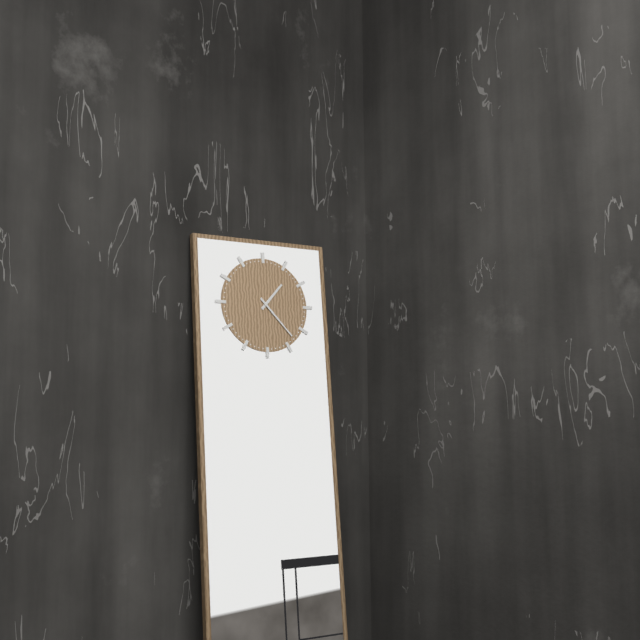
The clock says **1:23**
